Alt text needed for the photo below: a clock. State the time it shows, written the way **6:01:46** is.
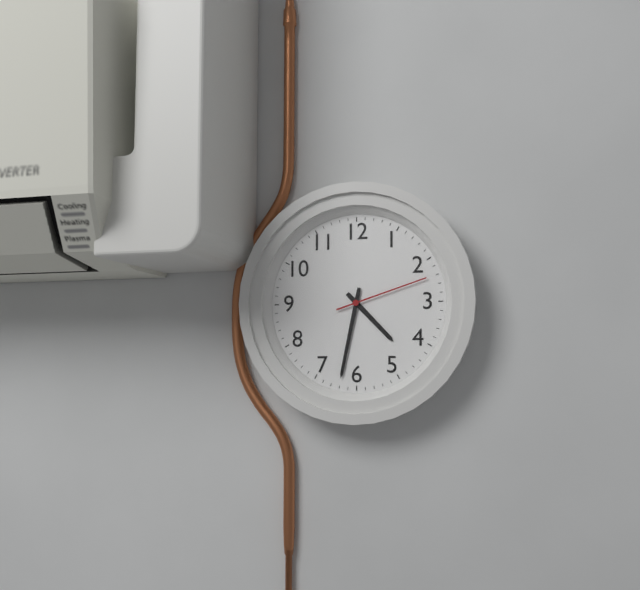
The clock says **4:32:12**
